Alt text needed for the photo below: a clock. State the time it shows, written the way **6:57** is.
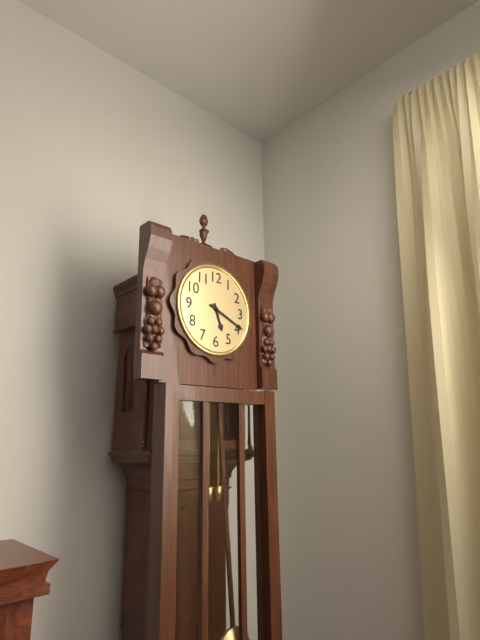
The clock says **5:19**
